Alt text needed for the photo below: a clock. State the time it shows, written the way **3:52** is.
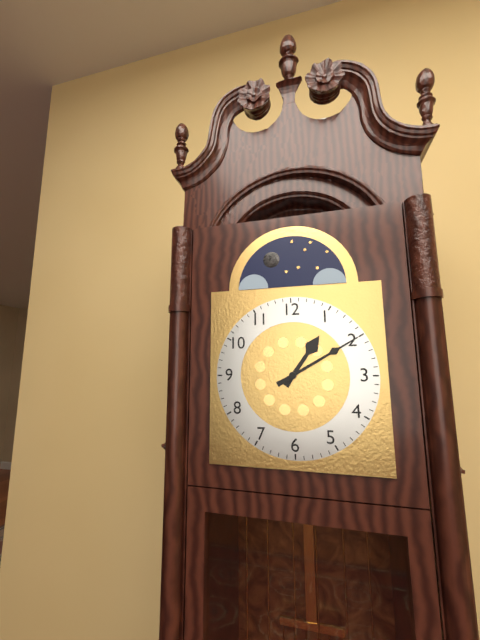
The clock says **1:10**
